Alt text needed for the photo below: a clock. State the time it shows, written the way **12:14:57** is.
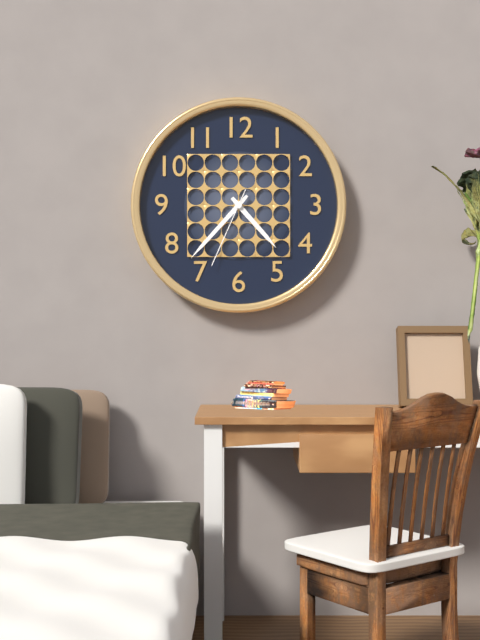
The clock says **4:37:34**
